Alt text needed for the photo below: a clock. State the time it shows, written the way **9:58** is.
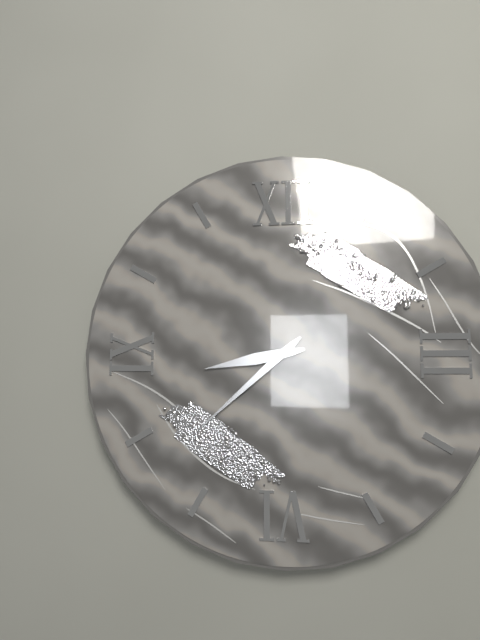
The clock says **8:38**
